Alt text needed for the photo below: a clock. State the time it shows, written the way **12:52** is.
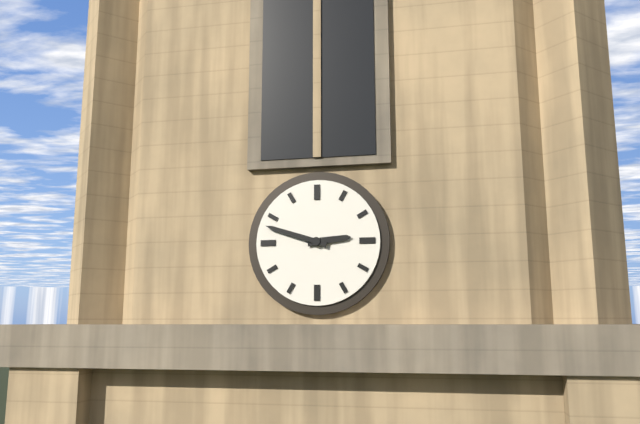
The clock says **2:48**
